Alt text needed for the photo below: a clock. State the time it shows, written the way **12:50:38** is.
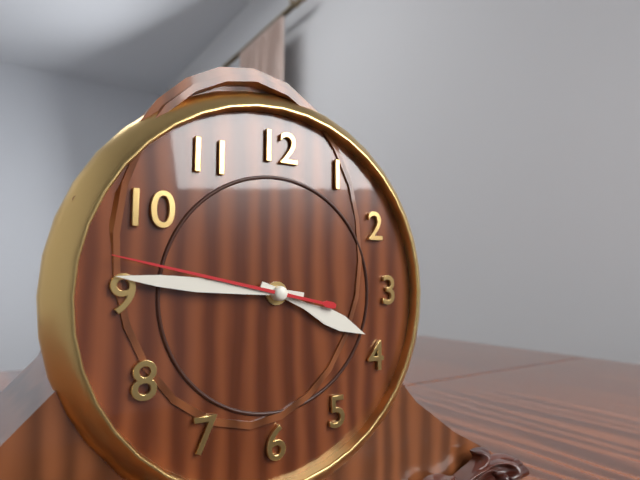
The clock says **3:46:47**
